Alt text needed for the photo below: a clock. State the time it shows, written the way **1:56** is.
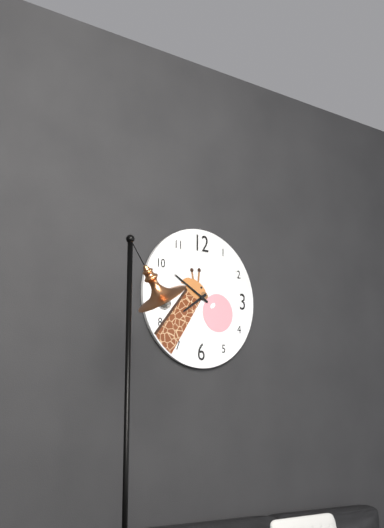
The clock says **7:50**
